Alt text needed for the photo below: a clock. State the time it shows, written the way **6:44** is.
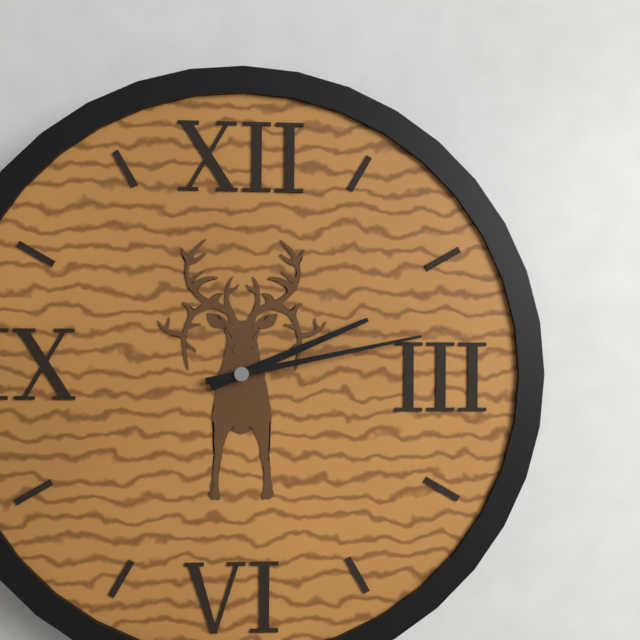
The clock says **2:13**
